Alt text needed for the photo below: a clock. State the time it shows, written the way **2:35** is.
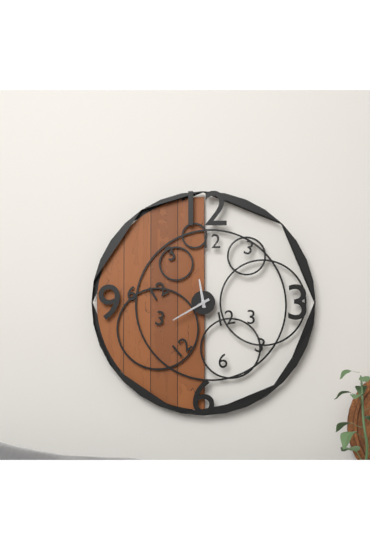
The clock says **11:40**
